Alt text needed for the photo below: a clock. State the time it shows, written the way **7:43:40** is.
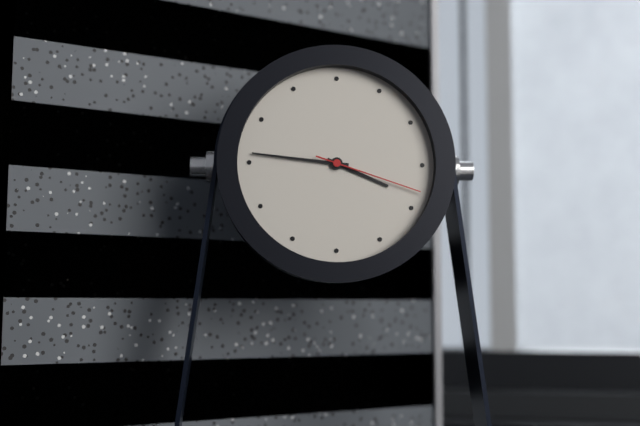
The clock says **3:46:18**
